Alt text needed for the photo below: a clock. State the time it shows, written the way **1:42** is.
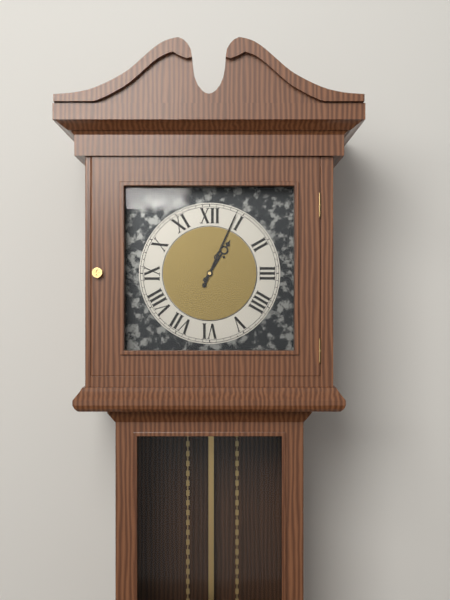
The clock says **1:04**
